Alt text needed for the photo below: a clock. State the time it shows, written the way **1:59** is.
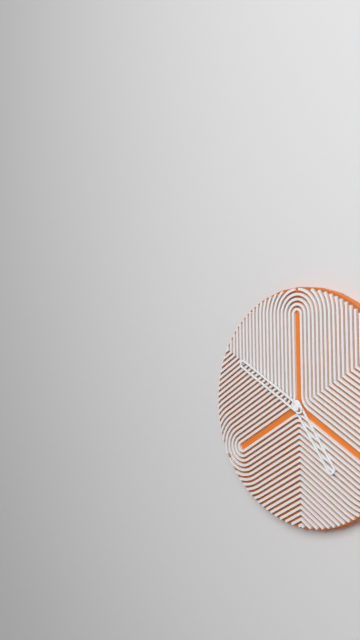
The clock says **4:50**
